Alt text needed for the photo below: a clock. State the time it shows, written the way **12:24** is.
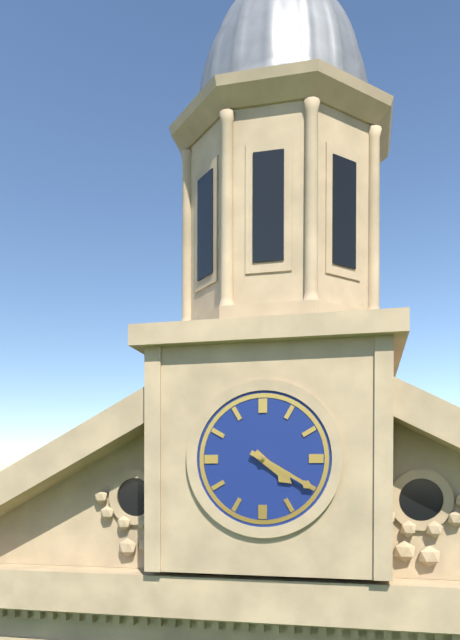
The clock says **4:20**
